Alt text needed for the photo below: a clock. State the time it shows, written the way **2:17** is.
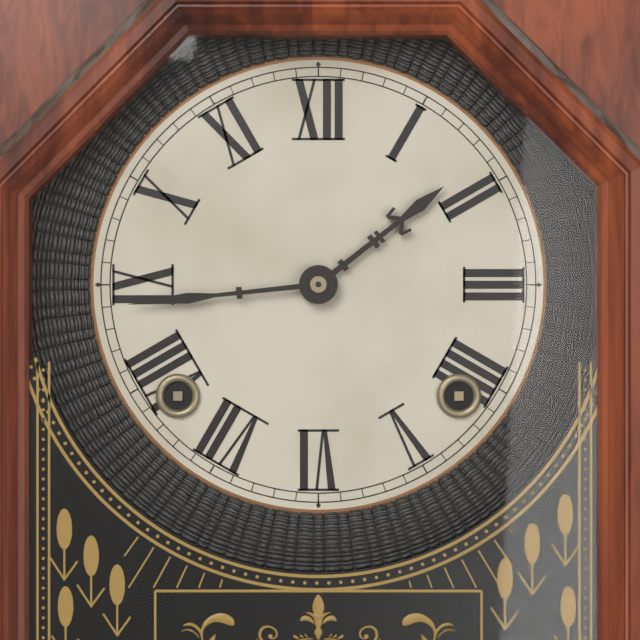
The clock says **1:44**
